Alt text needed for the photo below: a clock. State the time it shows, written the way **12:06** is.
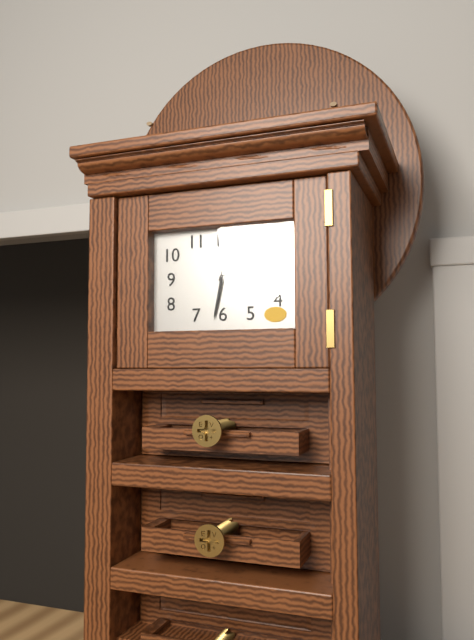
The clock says **1:32**
